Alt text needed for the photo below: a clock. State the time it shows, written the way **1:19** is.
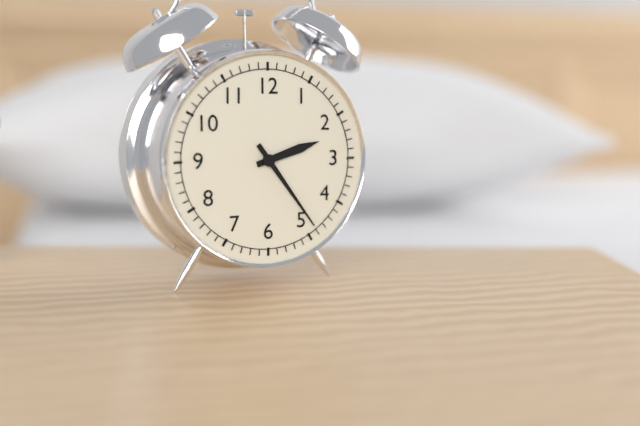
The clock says **2:24**
